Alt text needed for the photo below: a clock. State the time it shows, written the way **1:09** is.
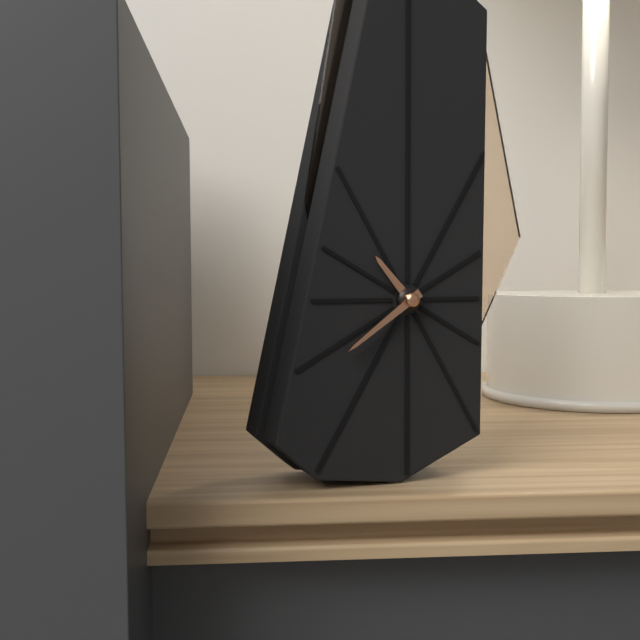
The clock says **10:39**
